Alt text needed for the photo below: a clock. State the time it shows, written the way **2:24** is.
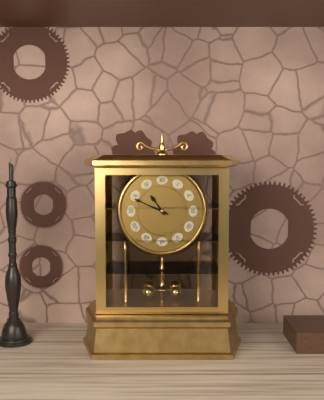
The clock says **10:49**
